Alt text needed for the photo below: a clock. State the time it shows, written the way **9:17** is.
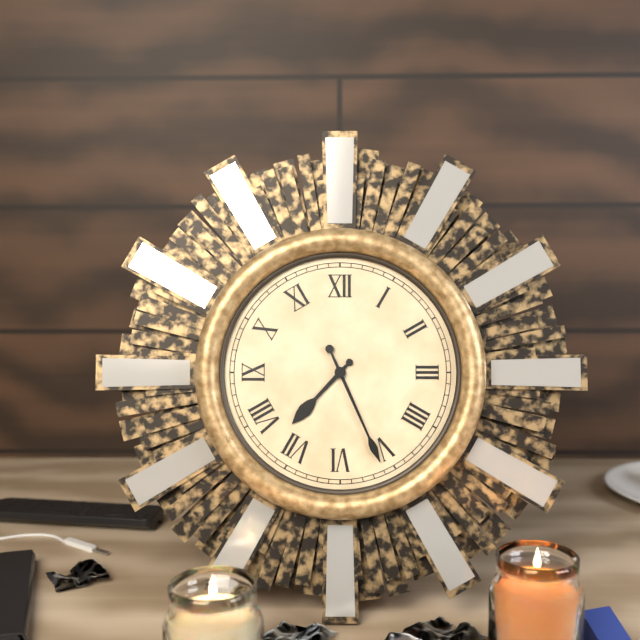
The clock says **7:26**
